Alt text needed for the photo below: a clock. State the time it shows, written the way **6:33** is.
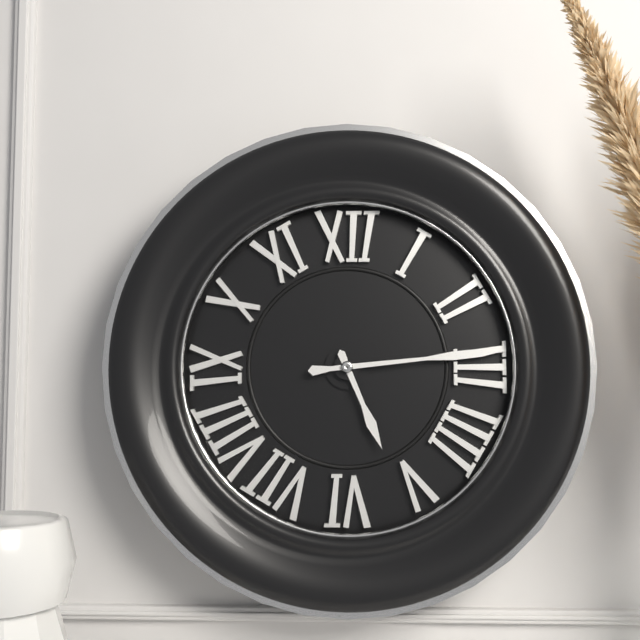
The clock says **5:14**
